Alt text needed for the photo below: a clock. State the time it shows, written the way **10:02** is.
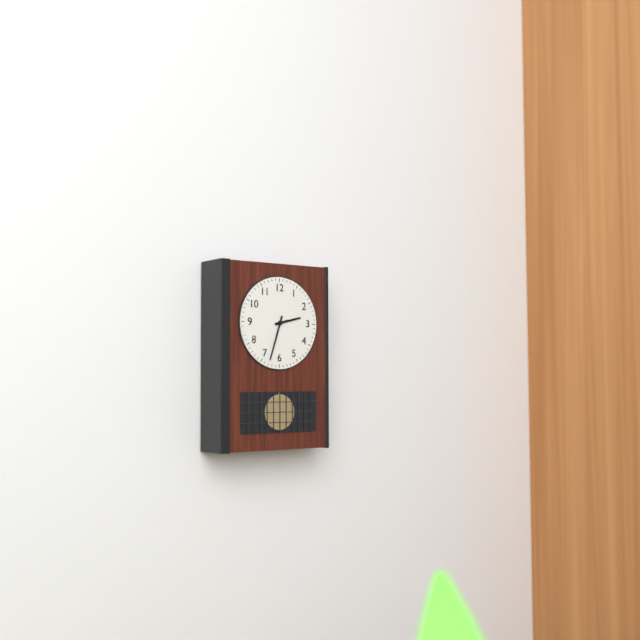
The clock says **2:33**
